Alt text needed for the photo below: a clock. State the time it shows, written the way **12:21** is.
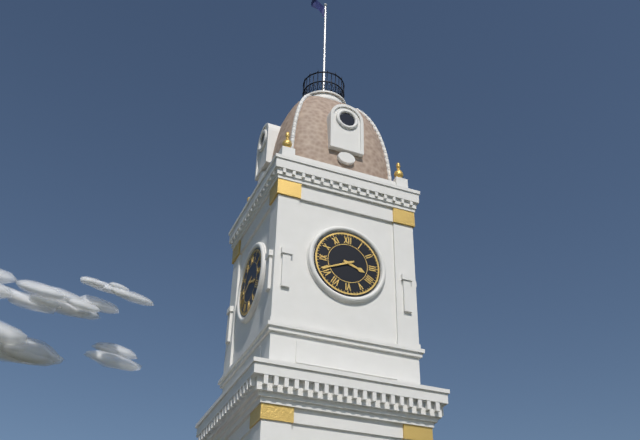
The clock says **3:41**
